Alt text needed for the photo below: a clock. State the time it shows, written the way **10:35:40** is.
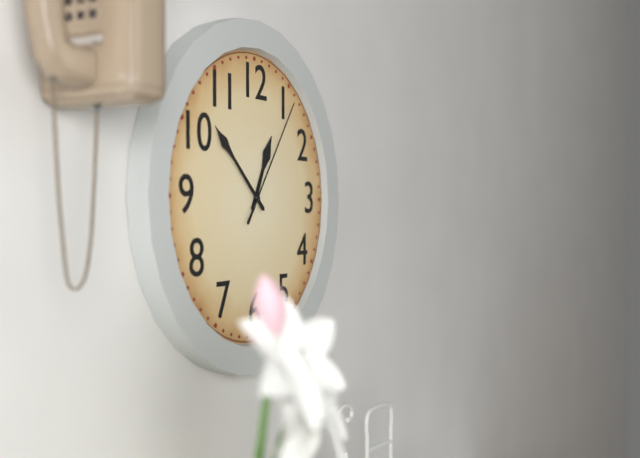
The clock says **12:52:06**
